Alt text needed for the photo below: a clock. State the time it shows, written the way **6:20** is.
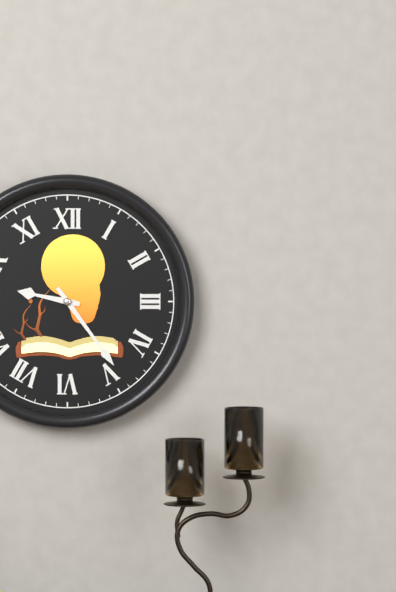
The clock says **9:24**
